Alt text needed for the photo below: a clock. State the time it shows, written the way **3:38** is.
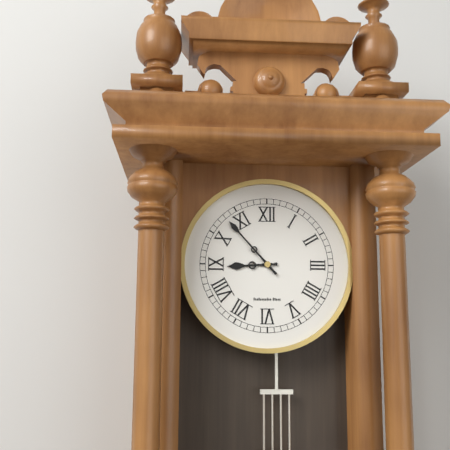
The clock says **8:53**
